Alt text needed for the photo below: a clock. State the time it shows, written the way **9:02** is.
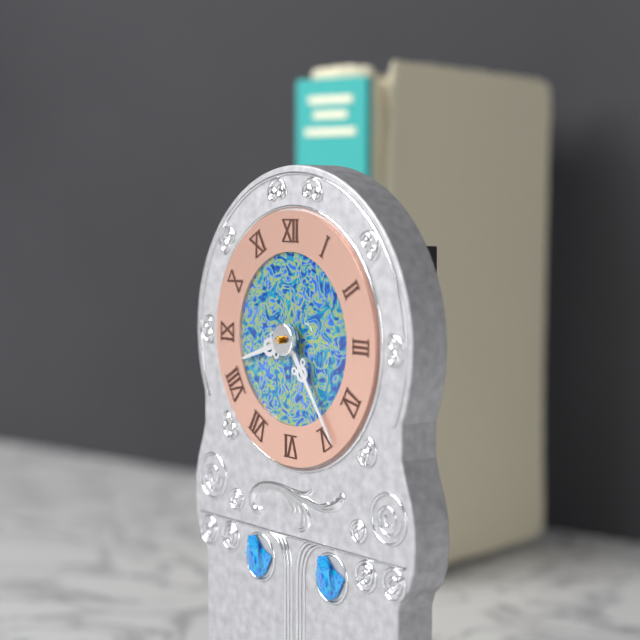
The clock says **8:24**
